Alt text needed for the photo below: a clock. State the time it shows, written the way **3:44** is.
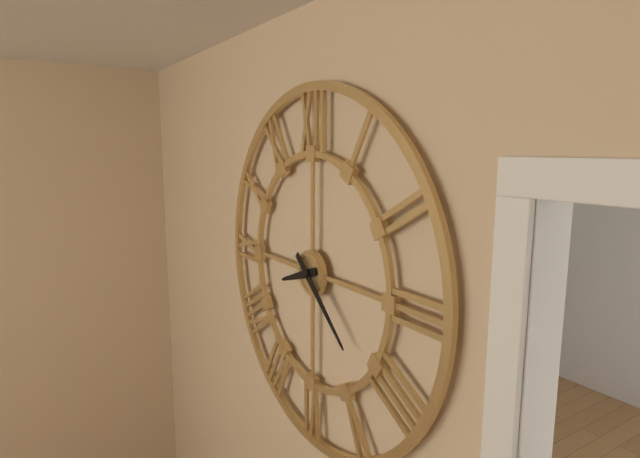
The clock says **8:22**
